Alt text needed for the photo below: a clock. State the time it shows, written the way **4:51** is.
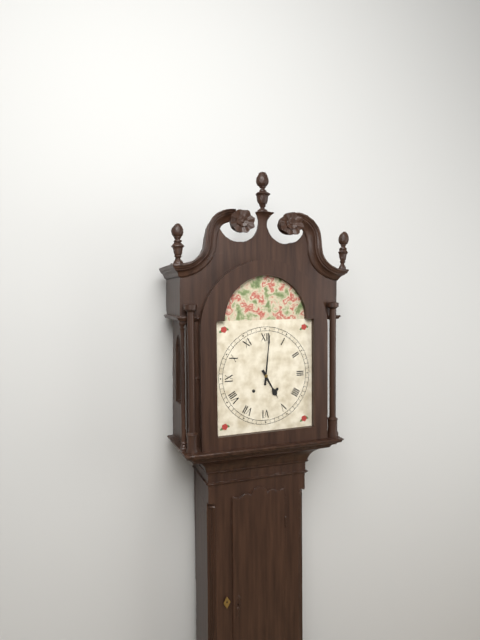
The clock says **5:01**
